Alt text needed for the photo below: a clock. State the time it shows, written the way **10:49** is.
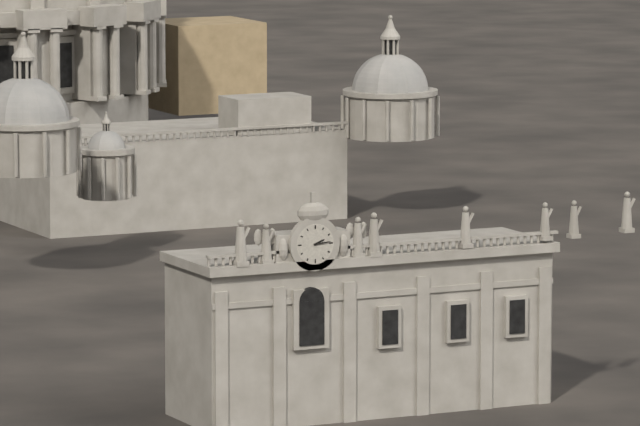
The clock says **2:14**
